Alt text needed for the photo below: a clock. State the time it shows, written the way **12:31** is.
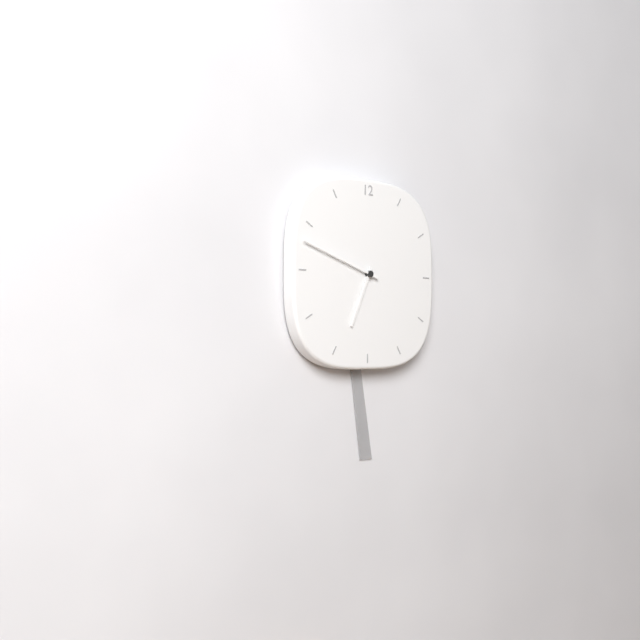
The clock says **6:48**
